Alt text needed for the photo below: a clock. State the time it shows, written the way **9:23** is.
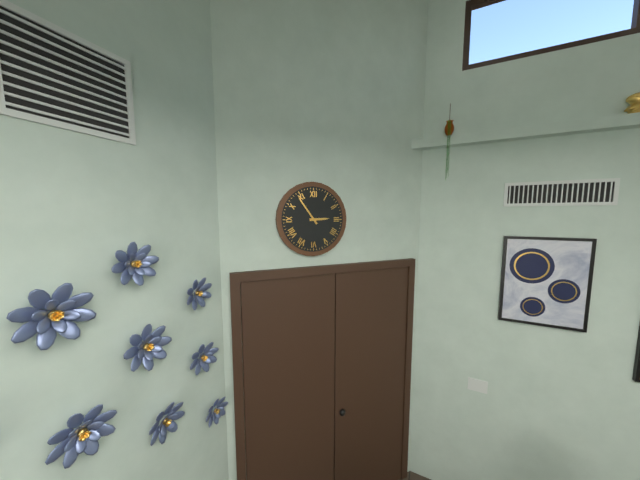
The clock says **2:54**
